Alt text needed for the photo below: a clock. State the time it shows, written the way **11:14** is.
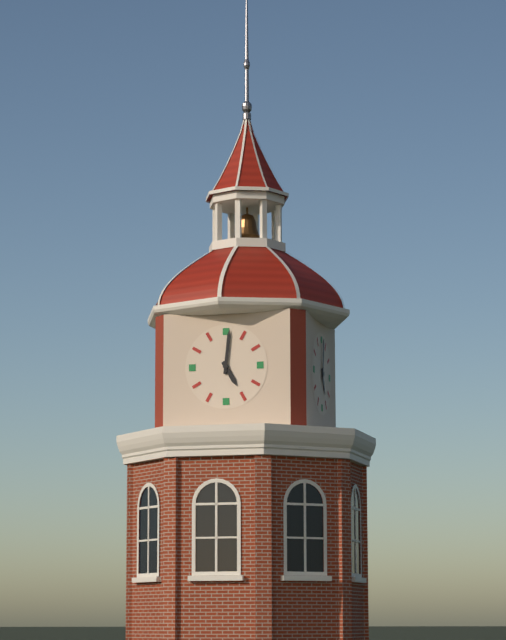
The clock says **5:01**
